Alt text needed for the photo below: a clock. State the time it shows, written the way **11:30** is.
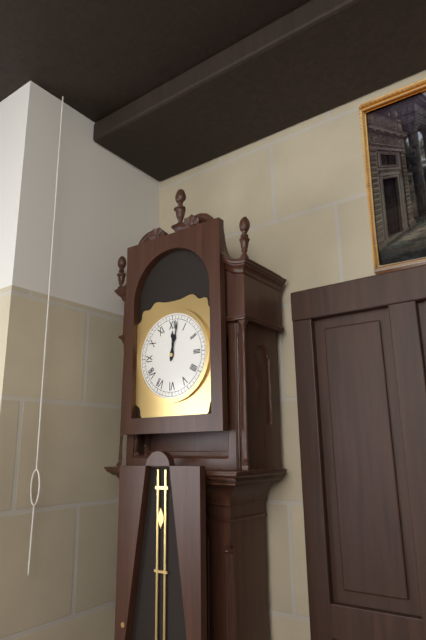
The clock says **12:02**
